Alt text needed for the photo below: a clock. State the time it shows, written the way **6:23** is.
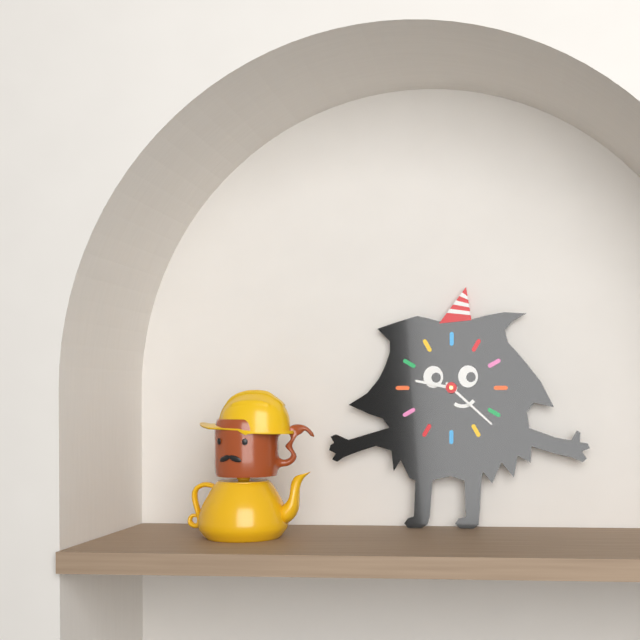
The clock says **9:22**
